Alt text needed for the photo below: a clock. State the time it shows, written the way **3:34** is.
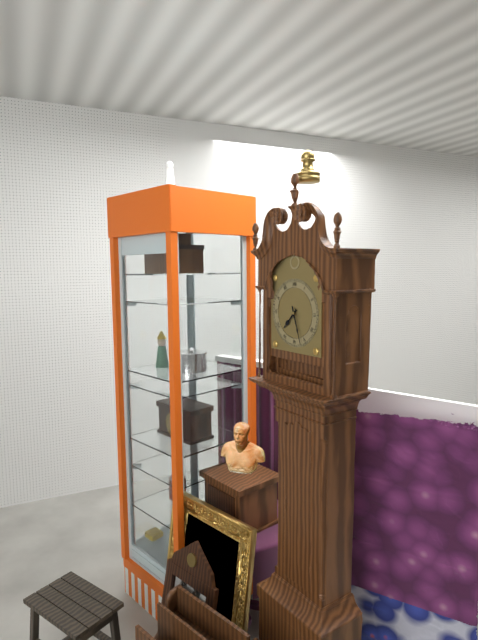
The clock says **7:27**
